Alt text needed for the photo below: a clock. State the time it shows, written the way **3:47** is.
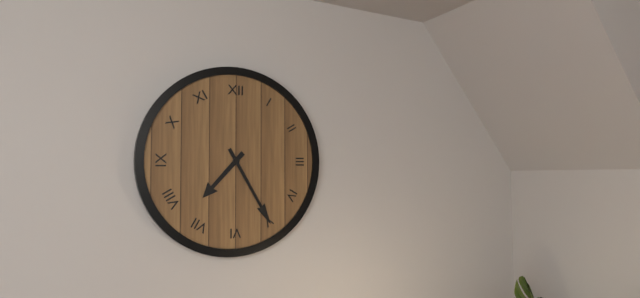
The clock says **7:25**
